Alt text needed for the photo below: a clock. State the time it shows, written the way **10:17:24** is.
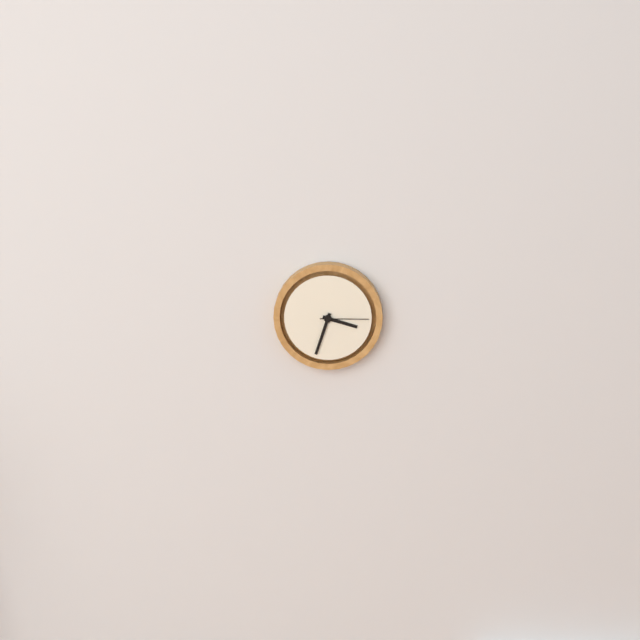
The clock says **3:33:15**
